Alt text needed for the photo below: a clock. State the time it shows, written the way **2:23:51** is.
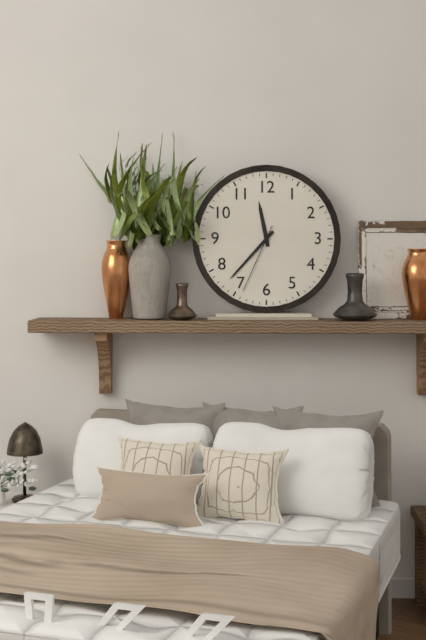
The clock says **11:37:34**
